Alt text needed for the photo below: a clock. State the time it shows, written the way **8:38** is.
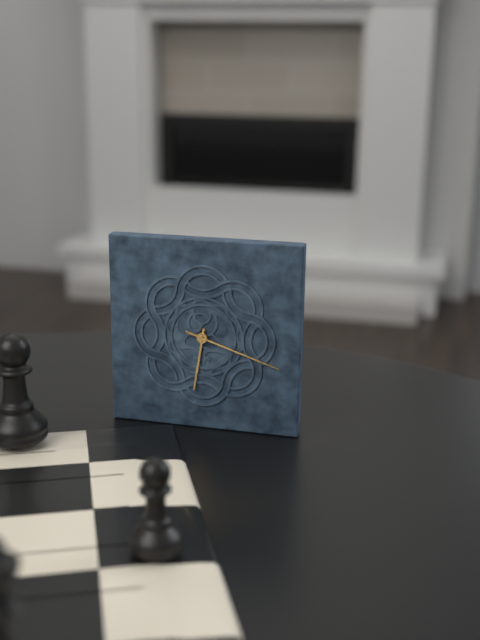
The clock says **6:18**
